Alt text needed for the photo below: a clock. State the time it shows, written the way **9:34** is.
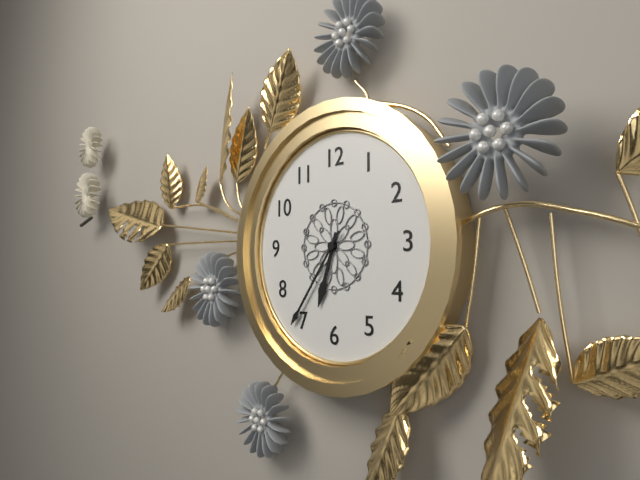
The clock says **6:36**
